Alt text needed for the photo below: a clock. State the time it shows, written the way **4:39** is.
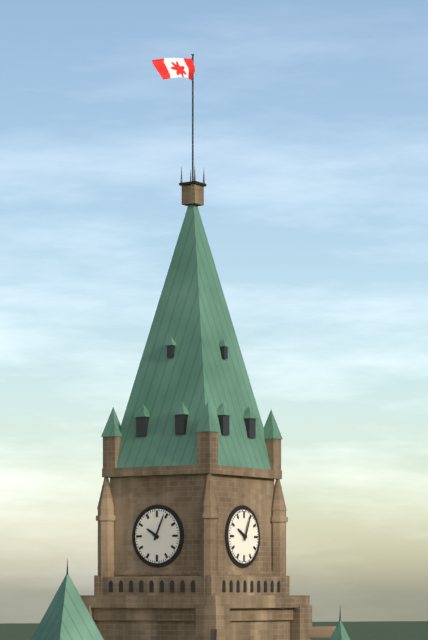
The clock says **10:04**
